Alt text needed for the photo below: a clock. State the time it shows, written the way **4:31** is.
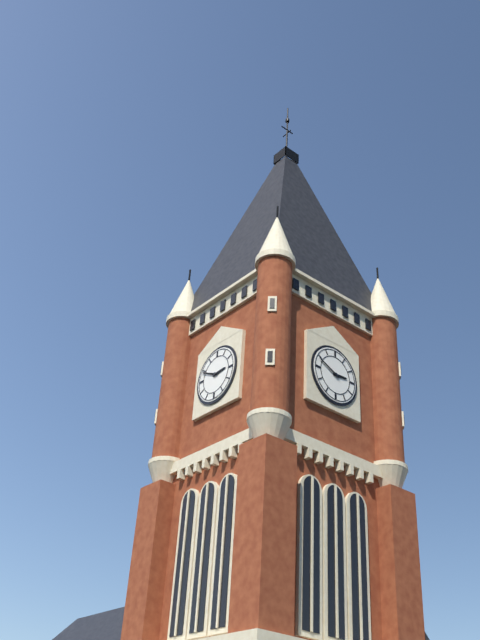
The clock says **2:49**
